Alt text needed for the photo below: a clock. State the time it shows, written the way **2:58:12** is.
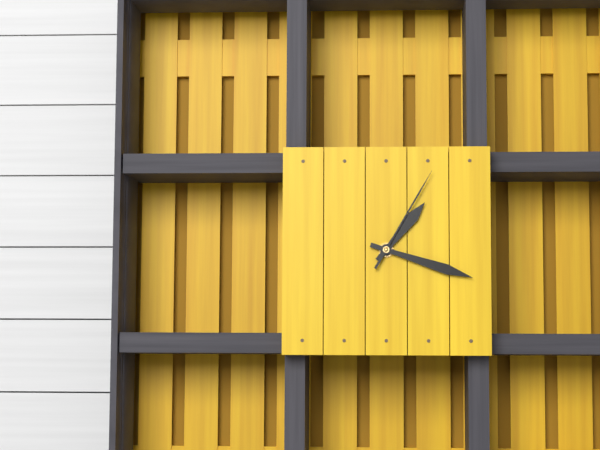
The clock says **1:18:05**
